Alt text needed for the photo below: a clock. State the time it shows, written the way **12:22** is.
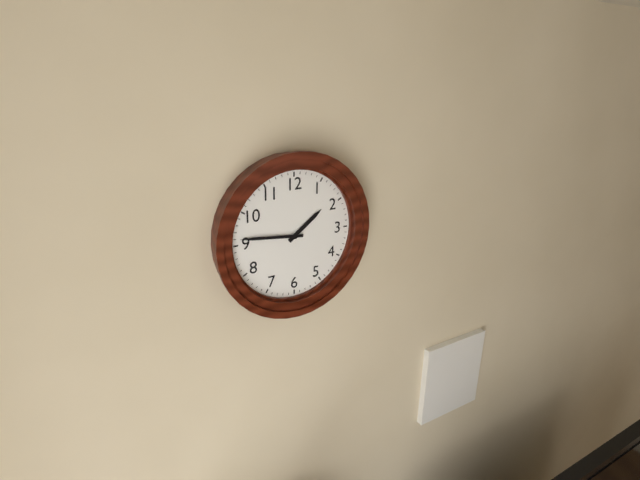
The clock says **1:46**
